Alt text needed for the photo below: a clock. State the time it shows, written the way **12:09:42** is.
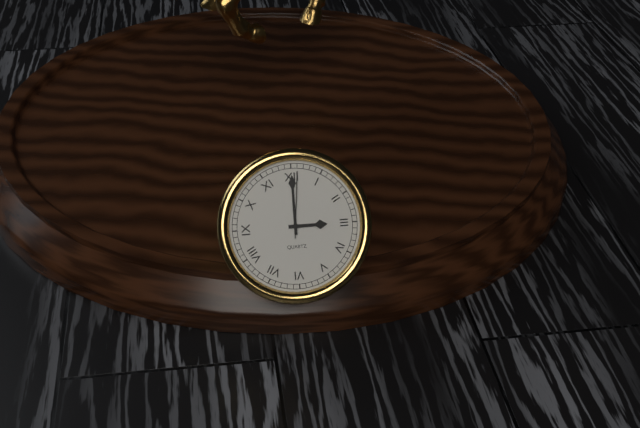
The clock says **3:00:01**
